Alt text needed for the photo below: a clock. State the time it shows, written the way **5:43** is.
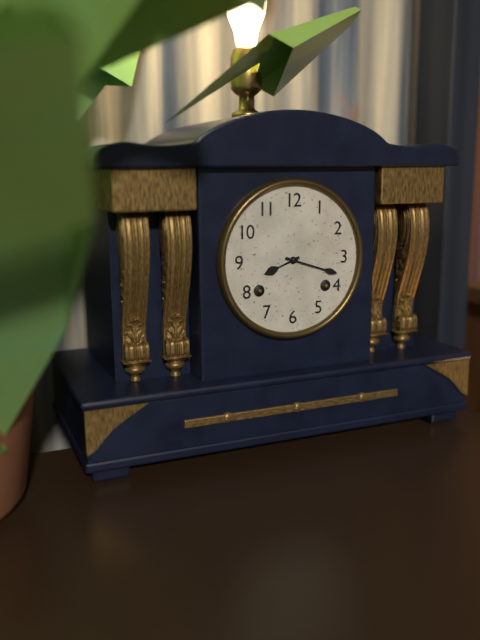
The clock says **8:18**
